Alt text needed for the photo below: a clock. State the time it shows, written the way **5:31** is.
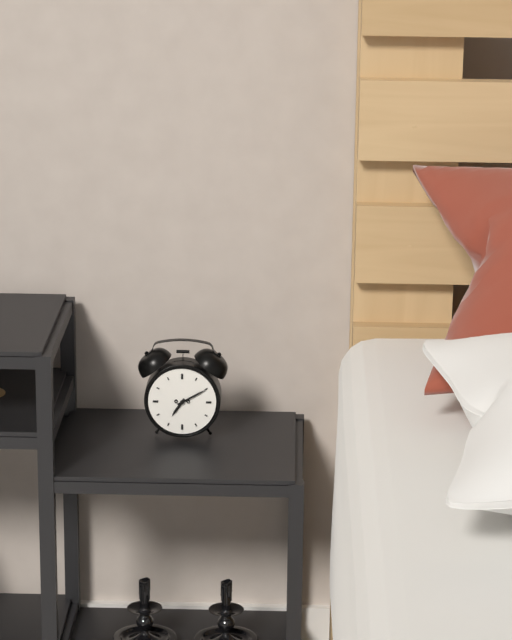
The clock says **7:10**
